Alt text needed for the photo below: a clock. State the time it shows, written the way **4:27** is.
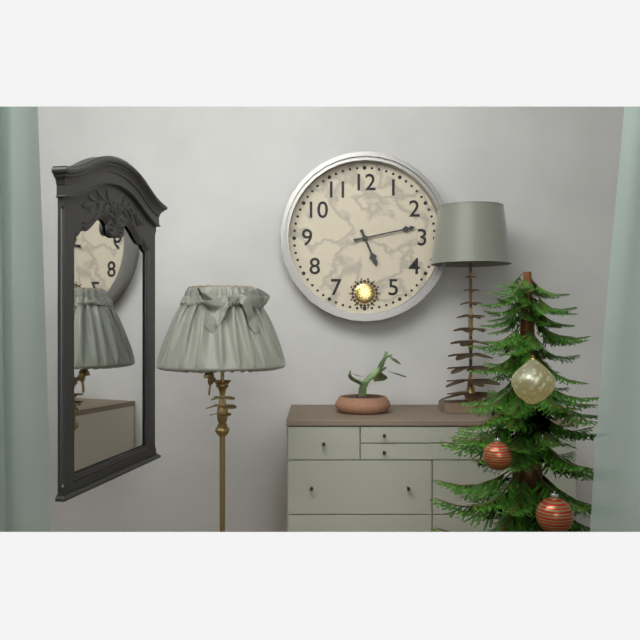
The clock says **5:13**
